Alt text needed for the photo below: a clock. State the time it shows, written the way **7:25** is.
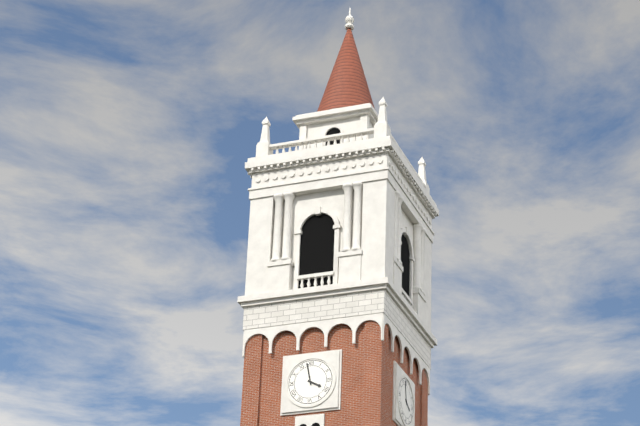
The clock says **3:58**
